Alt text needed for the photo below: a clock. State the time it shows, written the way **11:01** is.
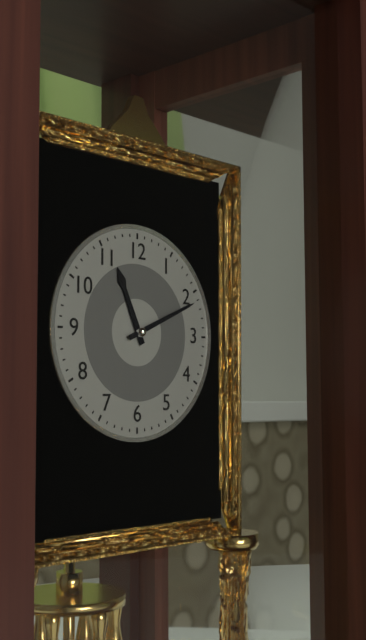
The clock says **11:11**
